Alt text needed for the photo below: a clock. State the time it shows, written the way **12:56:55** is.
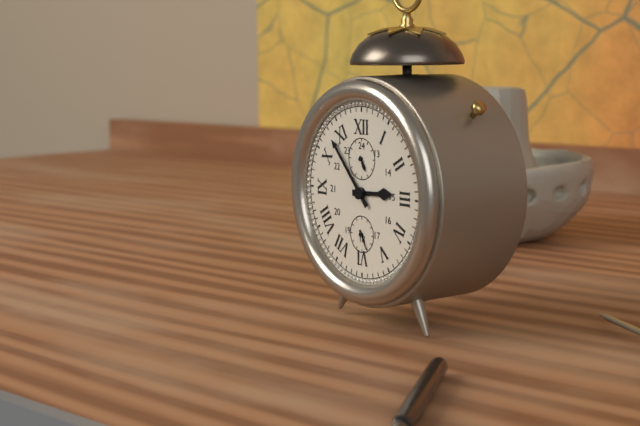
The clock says **2:53:25**
